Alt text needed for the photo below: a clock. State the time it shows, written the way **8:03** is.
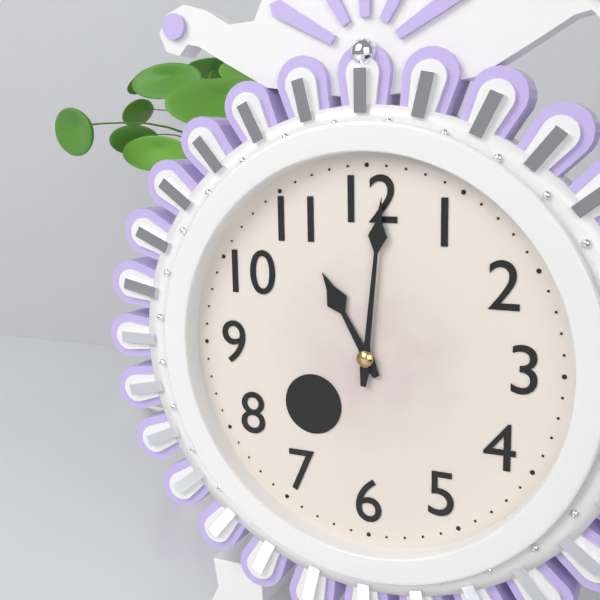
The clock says **11:01**
